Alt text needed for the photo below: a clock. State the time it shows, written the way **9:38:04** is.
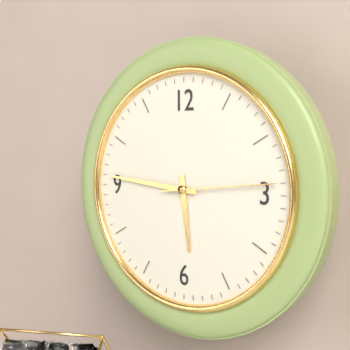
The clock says **5:46:14**
